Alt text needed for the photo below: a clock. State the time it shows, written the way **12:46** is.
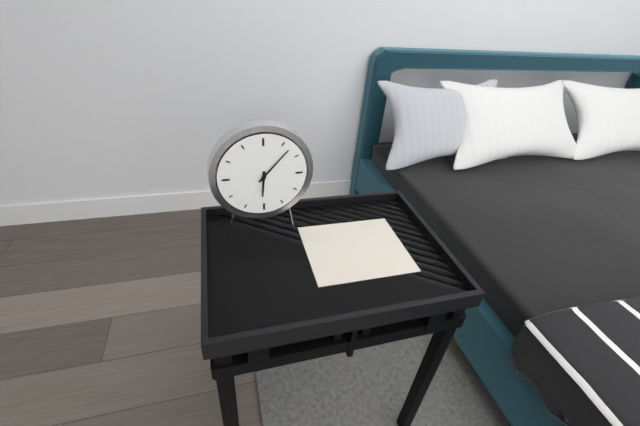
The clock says **6:07**
